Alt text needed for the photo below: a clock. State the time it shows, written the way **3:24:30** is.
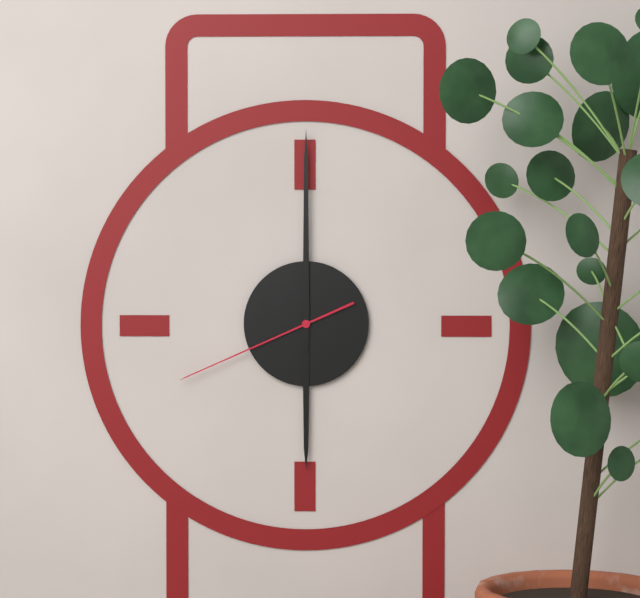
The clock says **6:00:41**
